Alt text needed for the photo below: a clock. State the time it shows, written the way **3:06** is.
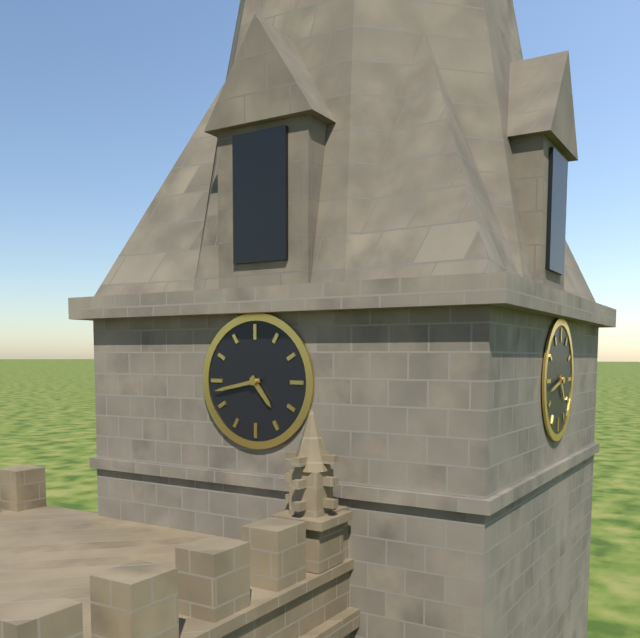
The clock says **4:43**
